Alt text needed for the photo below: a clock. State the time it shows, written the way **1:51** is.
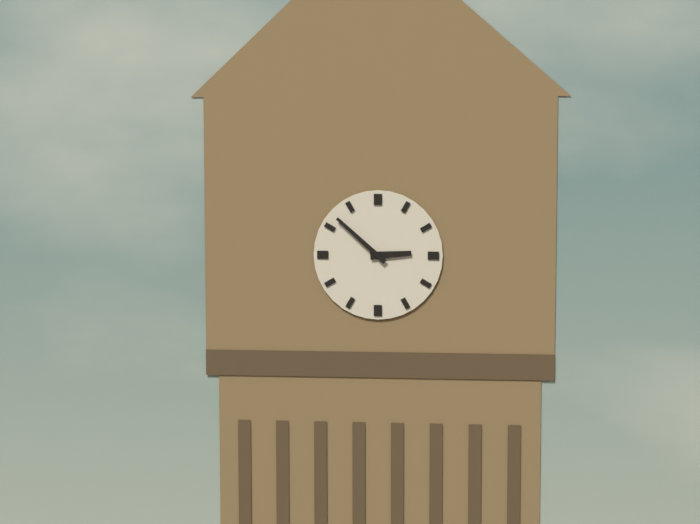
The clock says **2:52**
